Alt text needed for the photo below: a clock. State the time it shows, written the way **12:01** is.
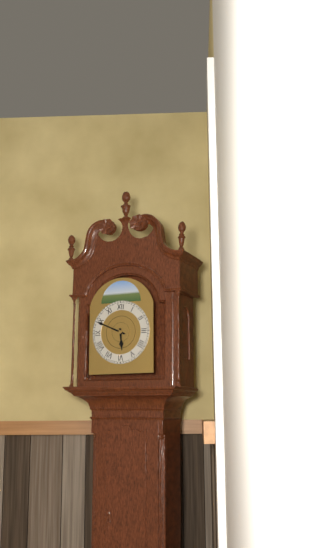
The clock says **5:49**
